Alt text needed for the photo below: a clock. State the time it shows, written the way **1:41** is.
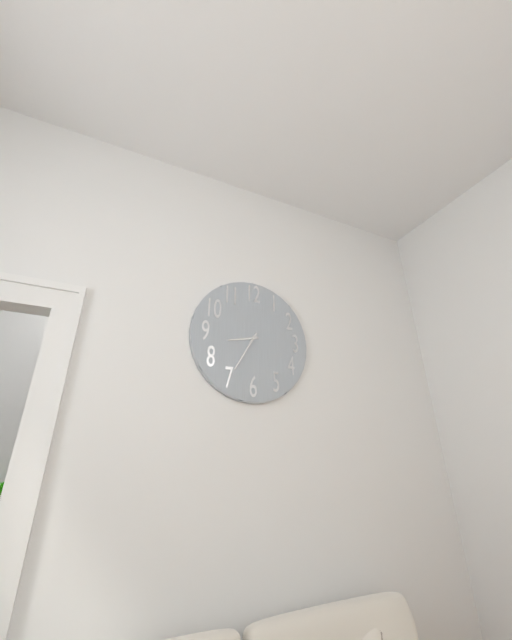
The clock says **8:35**
